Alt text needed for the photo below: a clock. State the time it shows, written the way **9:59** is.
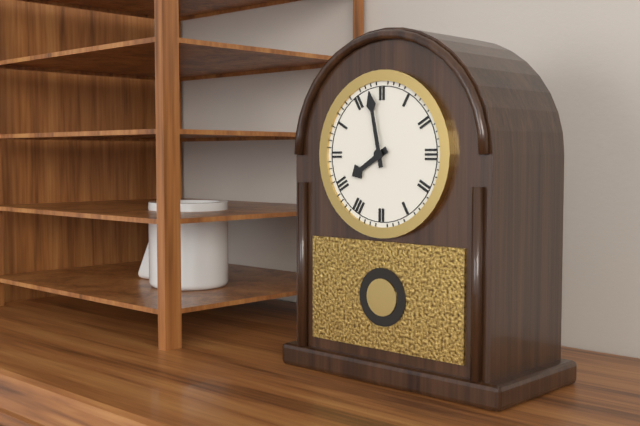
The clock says **7:58**
